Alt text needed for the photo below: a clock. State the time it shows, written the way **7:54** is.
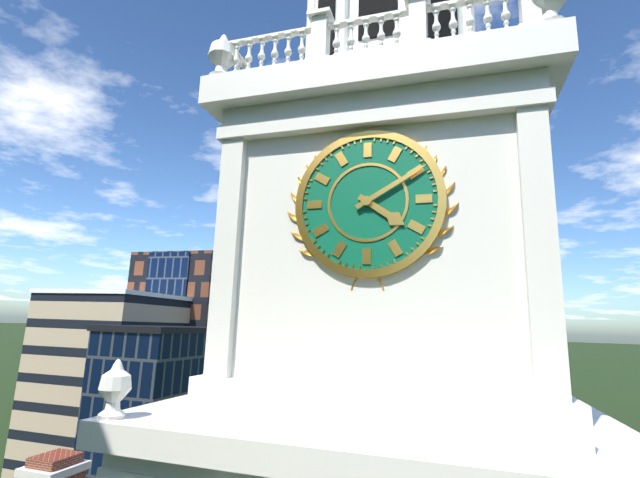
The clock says **4:10**
